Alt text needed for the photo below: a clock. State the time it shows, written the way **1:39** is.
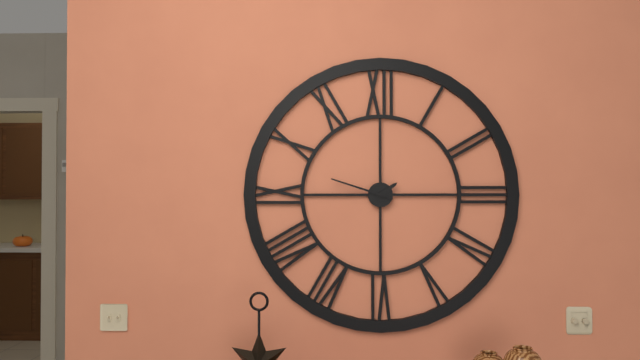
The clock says **1:48**
